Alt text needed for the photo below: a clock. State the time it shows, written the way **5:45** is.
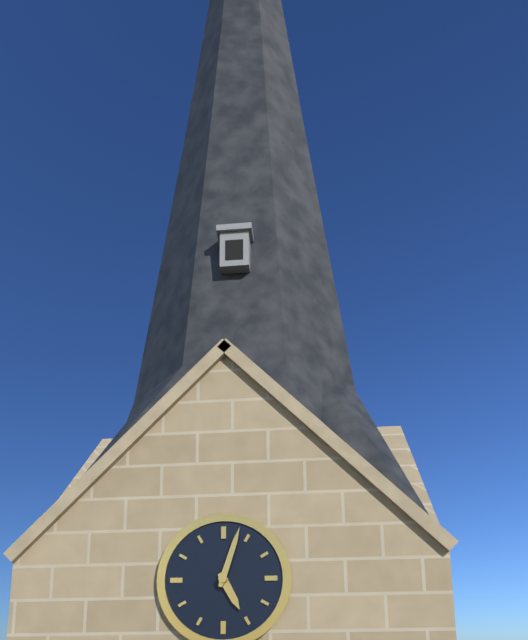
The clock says **5:03**
